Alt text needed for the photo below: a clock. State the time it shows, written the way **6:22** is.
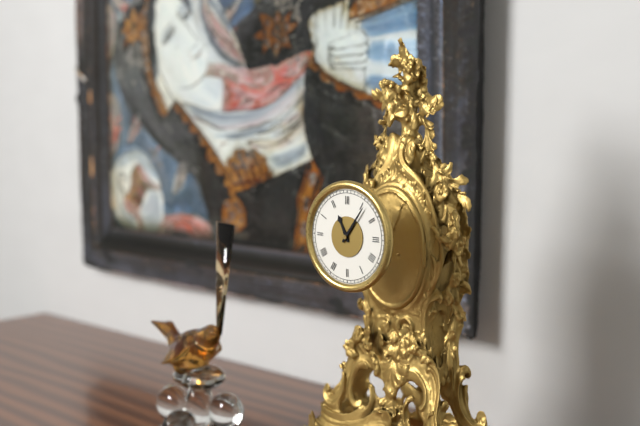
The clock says **11:06**
